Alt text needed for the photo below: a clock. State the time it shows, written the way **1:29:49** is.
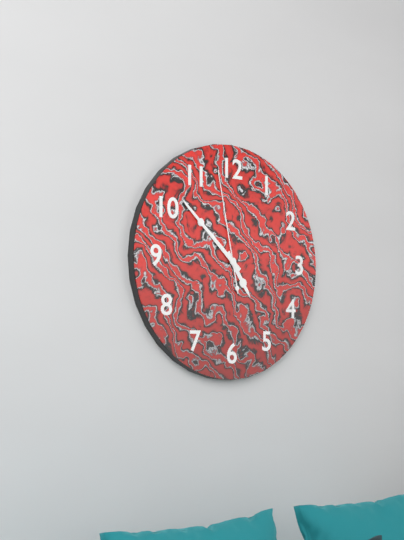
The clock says **4:52:58**
